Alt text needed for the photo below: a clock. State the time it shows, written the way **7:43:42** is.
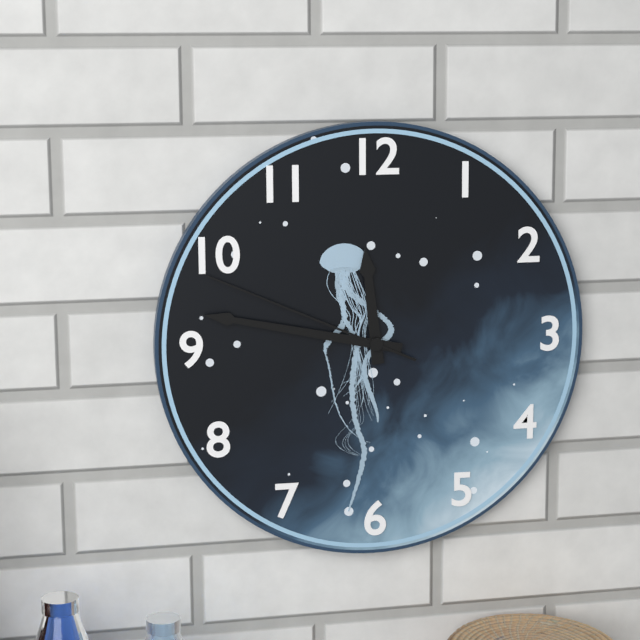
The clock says **11:47:49**
